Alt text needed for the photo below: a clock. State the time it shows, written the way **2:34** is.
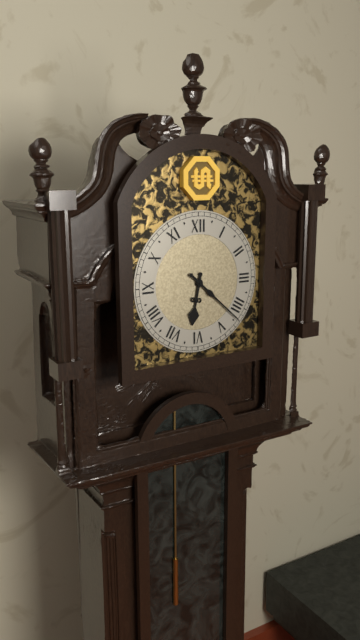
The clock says **6:22**
